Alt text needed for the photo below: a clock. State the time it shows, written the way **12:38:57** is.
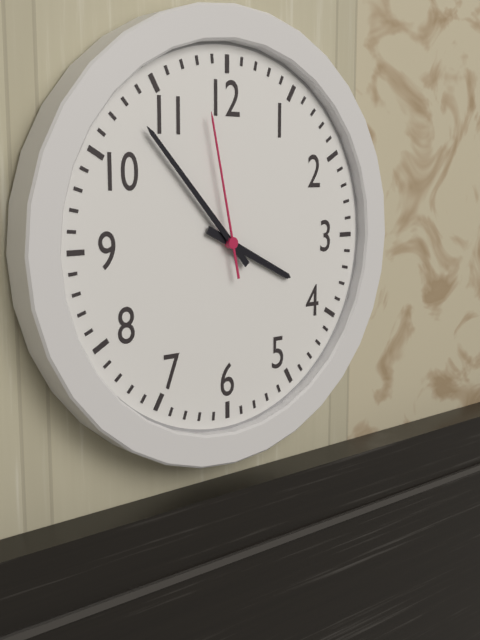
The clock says **3:53:58**
